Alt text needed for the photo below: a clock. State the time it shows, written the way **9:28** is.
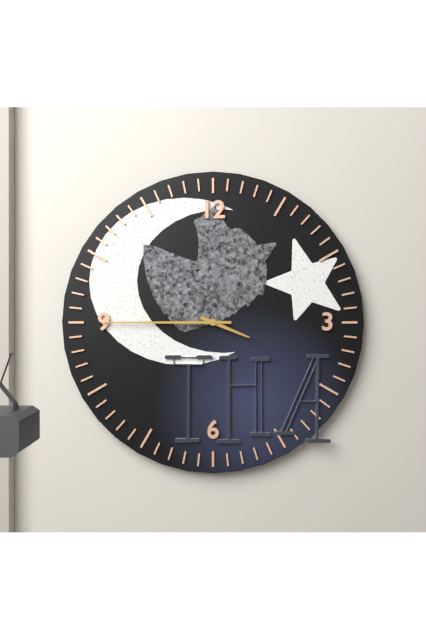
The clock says **3:45**
